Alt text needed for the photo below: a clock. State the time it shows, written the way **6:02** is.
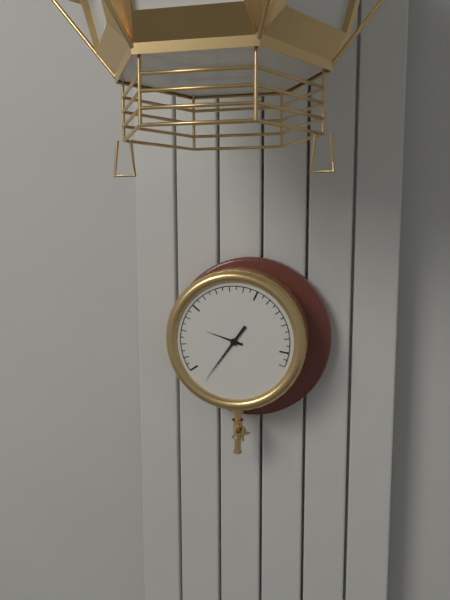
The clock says **9:36**
